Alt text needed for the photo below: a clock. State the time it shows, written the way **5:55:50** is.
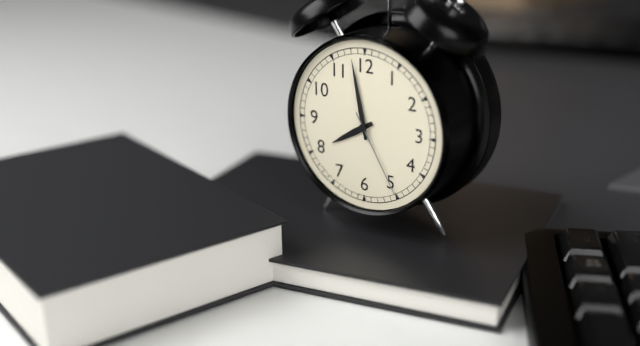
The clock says **7:58:25**
